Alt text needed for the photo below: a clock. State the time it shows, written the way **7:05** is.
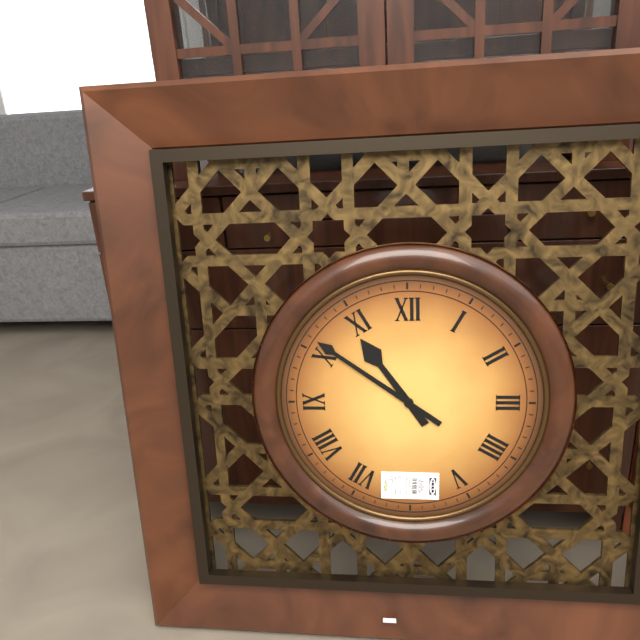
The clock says **10:51**
